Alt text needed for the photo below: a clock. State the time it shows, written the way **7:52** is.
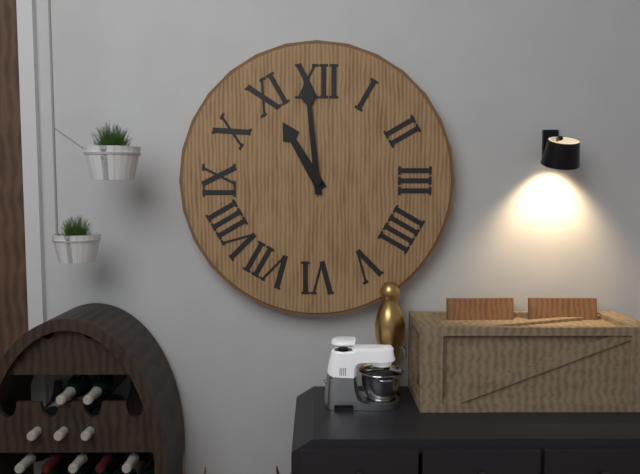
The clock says **10:59**
